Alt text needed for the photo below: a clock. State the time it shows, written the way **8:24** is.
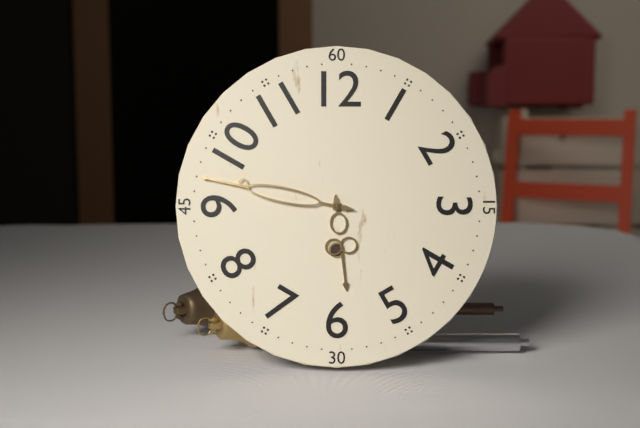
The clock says **5:47**
